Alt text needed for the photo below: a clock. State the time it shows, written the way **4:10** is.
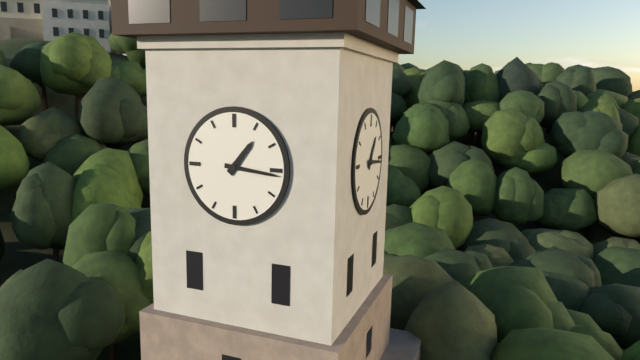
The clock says **1:16**
